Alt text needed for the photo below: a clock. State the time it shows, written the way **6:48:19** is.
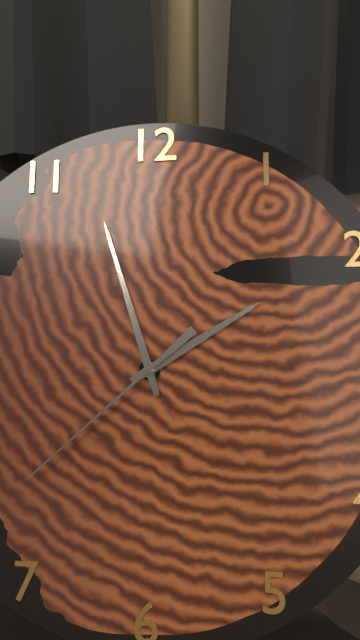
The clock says **1:57:38**
